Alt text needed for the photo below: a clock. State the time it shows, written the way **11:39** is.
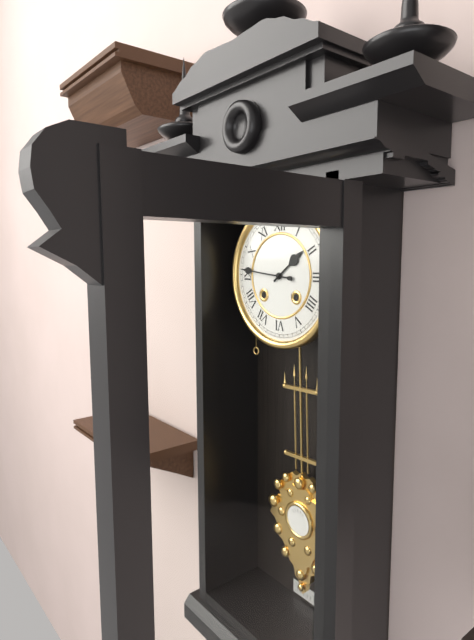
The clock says **1:46**
